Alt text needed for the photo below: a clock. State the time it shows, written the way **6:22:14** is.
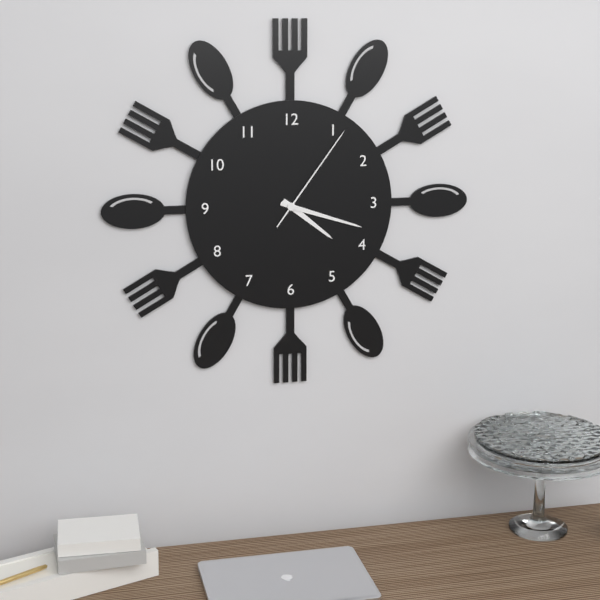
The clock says **4:18:06**
